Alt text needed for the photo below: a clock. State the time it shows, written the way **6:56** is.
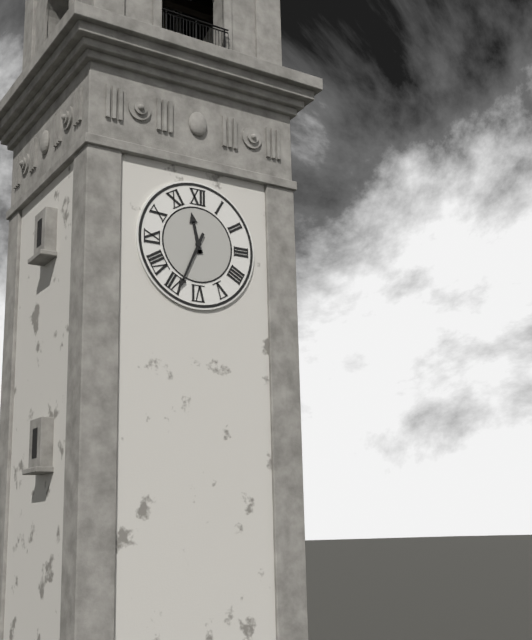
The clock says **11:34**
